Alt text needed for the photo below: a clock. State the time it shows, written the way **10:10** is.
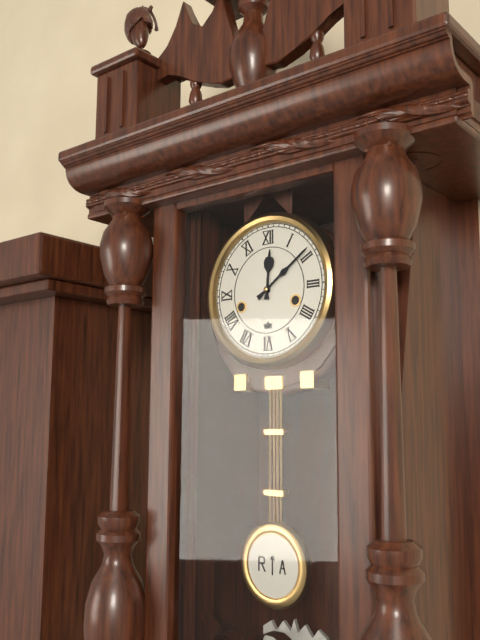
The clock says **12:09**
